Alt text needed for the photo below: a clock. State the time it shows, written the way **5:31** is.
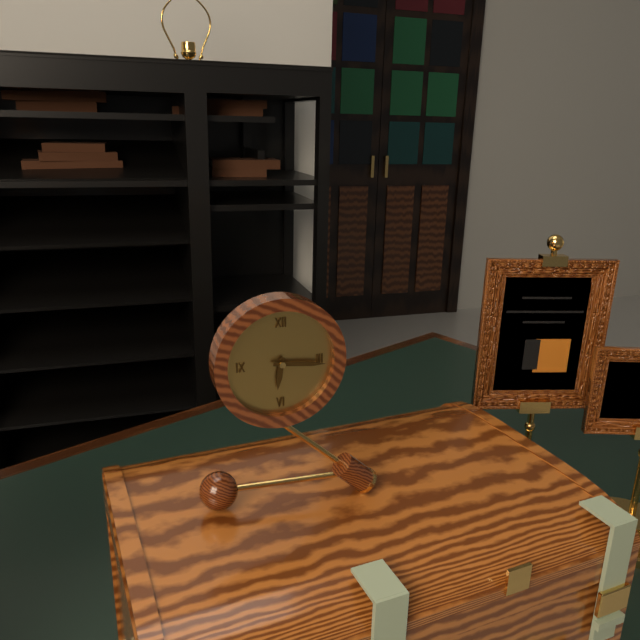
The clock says **6:16**
